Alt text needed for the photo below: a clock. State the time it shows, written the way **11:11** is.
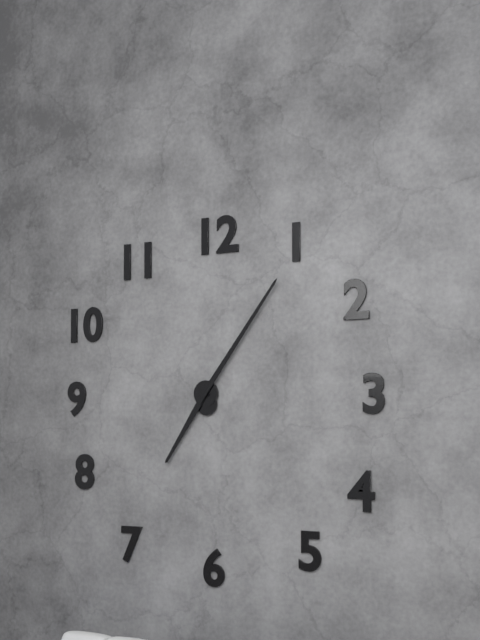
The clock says **7:06**
